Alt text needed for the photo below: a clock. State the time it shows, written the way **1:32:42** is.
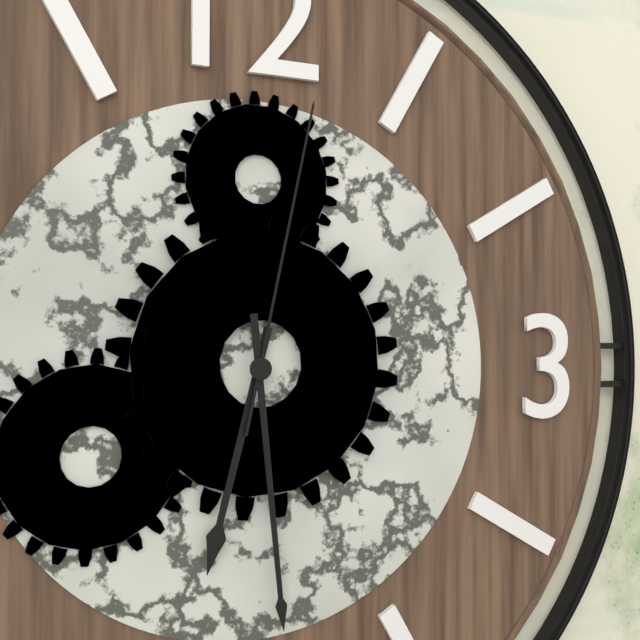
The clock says **6:29:02**
